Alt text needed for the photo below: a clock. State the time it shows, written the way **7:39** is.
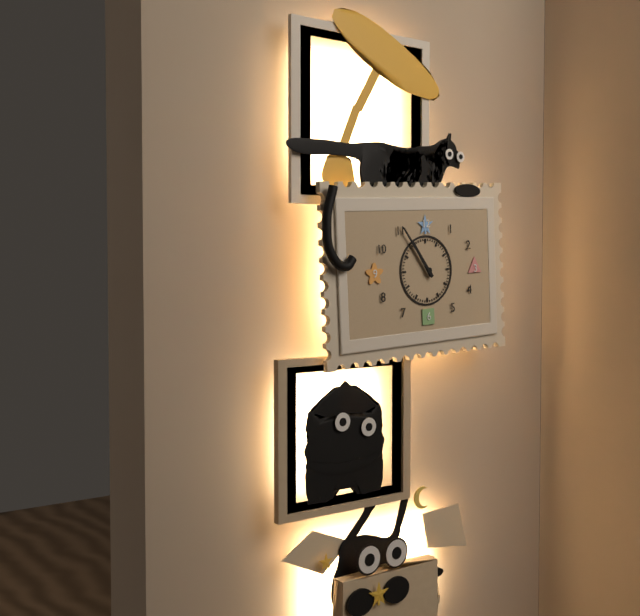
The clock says **10:54**
